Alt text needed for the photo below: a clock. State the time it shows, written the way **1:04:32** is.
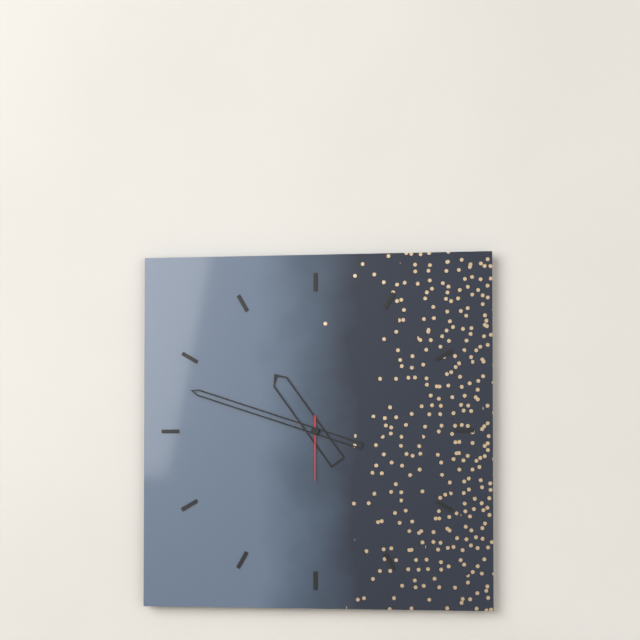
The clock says **10:48:30**
